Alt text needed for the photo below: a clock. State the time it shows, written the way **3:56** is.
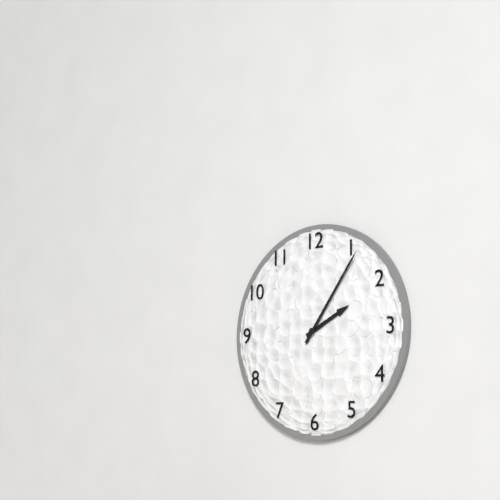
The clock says **2:06**
